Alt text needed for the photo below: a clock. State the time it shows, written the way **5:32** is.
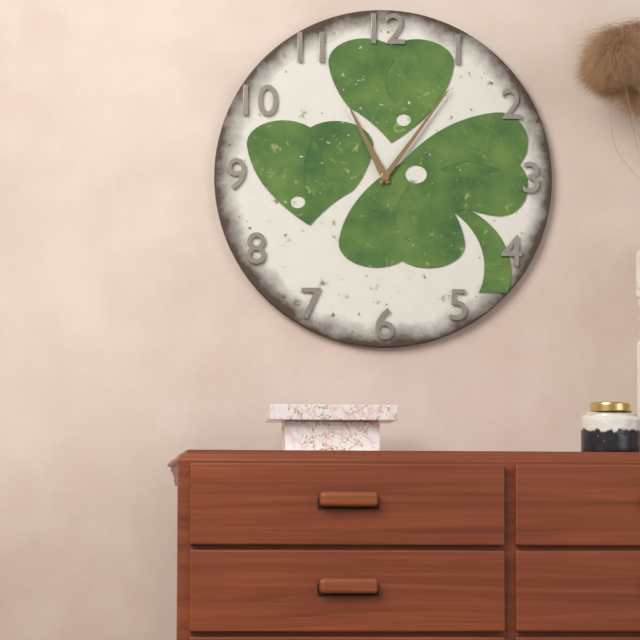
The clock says **11:06**
